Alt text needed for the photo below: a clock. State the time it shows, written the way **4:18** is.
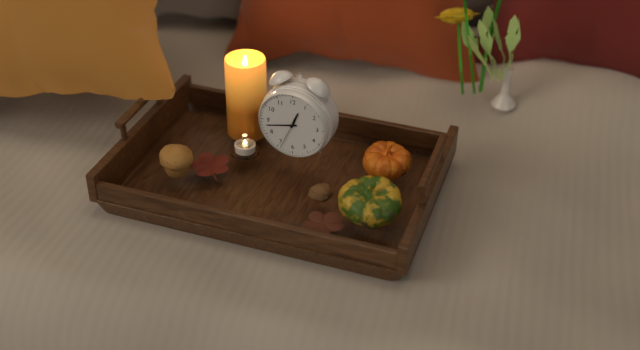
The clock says **12:43**
